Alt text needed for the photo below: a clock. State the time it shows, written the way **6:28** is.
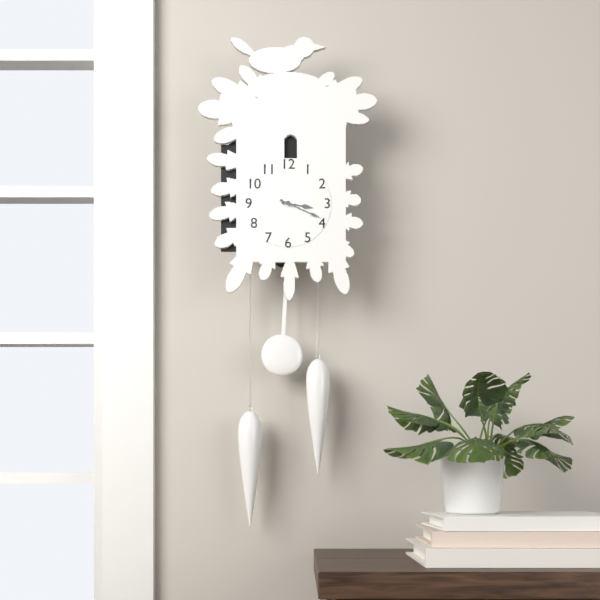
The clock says **3:19**
